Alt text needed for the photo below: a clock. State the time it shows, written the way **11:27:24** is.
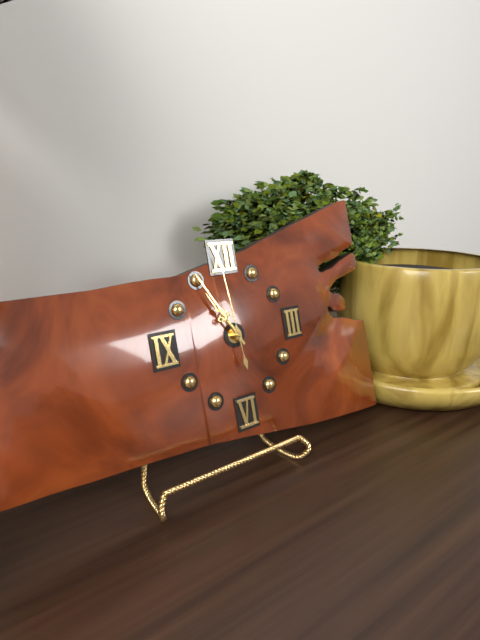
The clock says **10:55:59**
